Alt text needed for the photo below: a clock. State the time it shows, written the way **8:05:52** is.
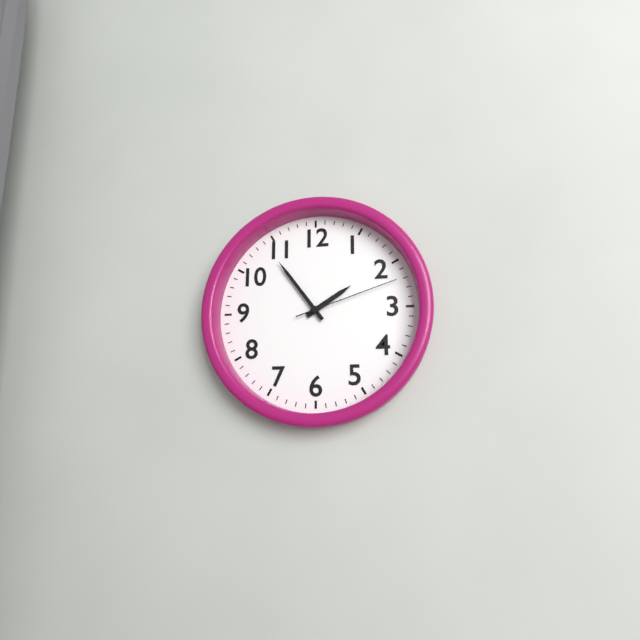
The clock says **1:54:12**
